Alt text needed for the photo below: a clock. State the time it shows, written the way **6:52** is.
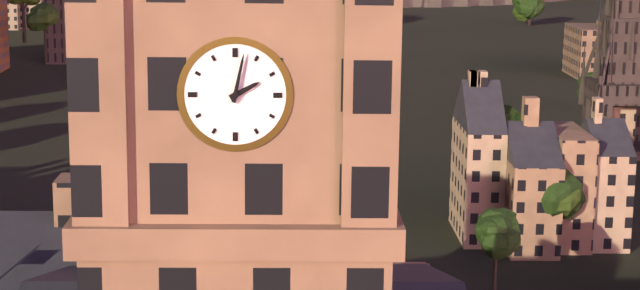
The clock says **2:02**
